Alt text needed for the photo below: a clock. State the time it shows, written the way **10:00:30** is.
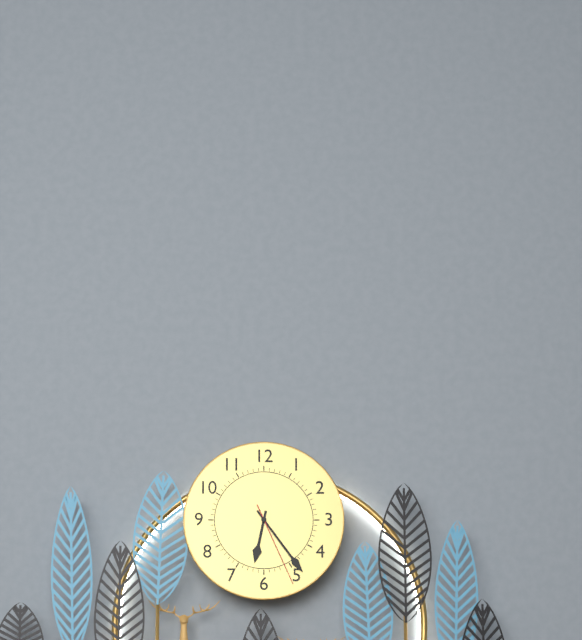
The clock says **6:24:26**
